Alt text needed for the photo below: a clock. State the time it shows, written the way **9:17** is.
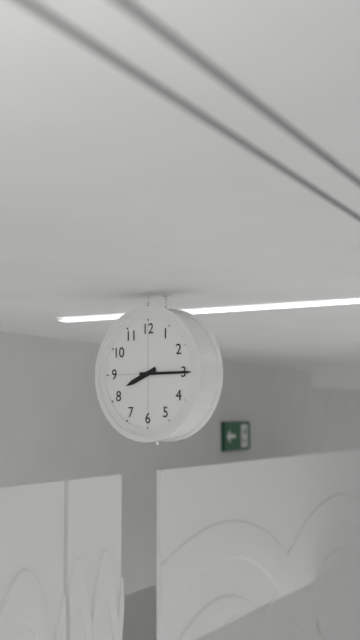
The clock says **8:15**
